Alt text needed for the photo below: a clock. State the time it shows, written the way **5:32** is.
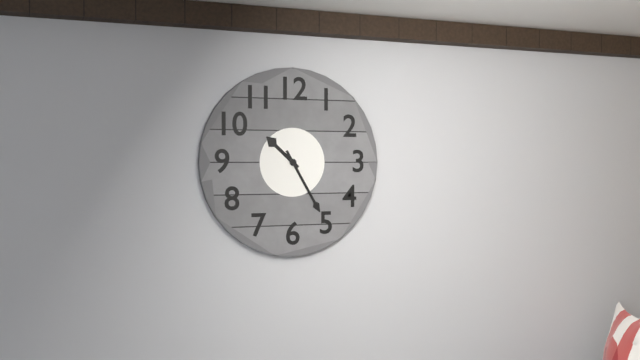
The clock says **10:25**
